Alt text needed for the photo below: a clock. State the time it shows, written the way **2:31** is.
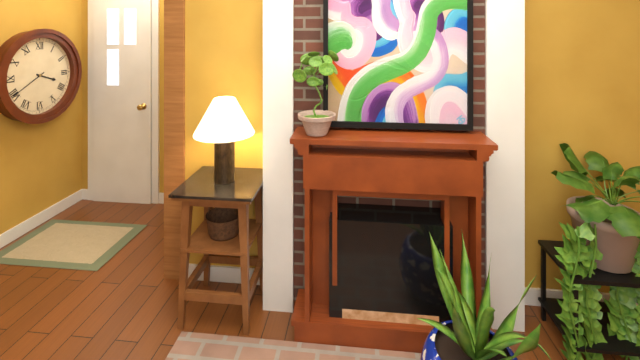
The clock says **3:40**
